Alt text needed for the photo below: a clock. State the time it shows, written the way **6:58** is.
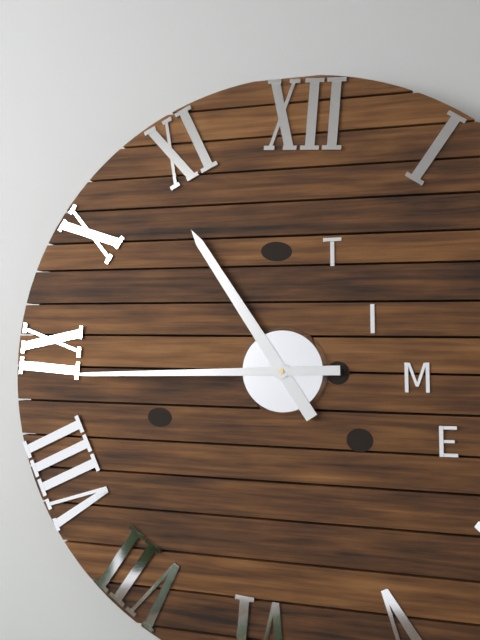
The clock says **10:44**
